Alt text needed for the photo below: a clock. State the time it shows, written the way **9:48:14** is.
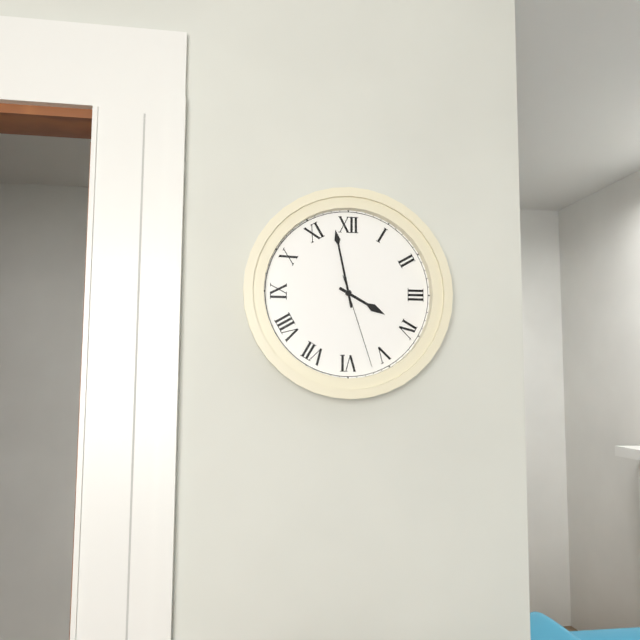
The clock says **3:58:27**
